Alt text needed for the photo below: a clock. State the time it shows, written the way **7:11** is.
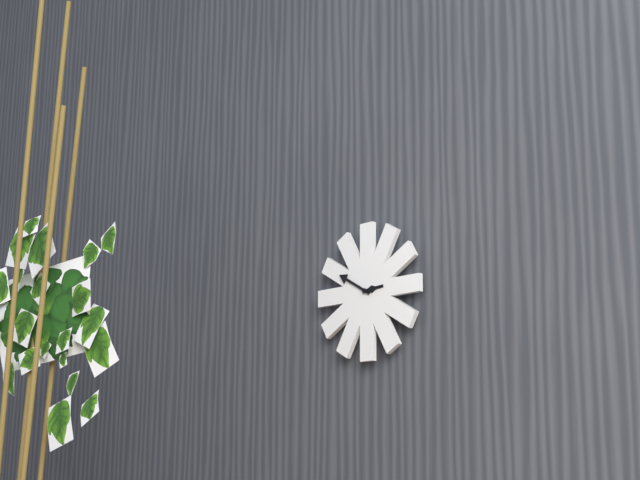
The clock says **2:50**
